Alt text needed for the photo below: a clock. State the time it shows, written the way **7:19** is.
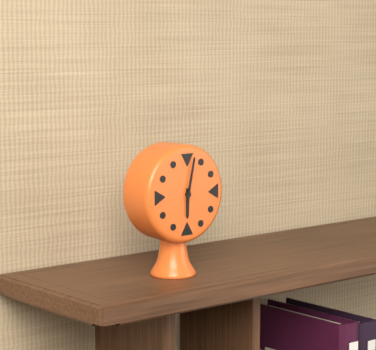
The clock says **6:02**
